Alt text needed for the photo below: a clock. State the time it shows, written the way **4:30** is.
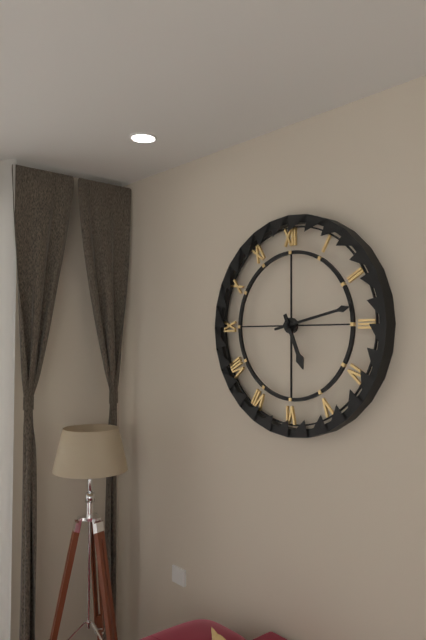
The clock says **5:13**
